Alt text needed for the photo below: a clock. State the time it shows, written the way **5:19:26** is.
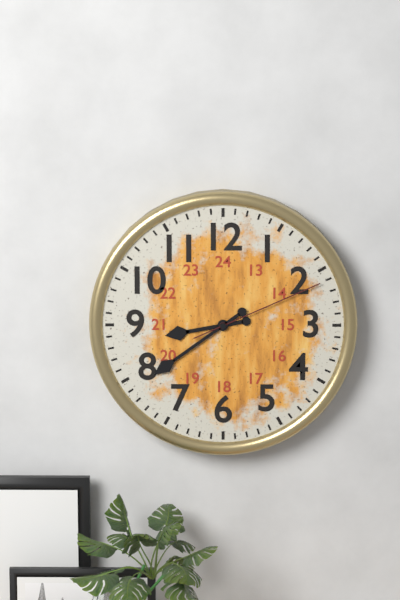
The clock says **8:39:11**
